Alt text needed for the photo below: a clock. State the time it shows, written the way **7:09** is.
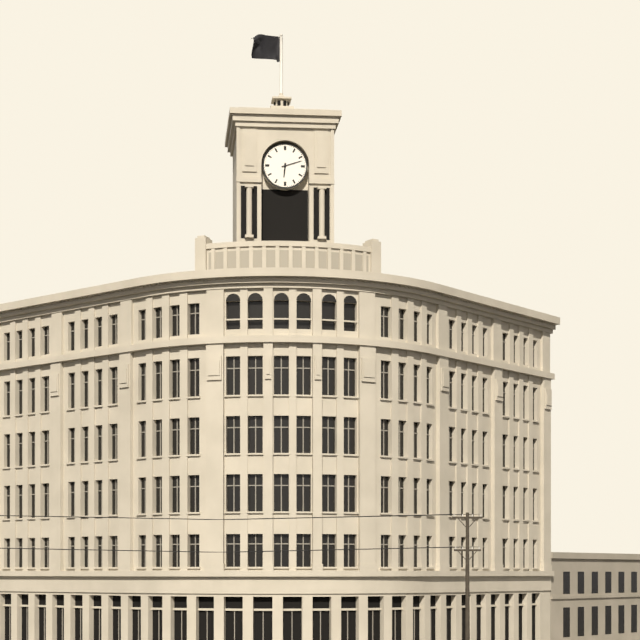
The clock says **6:12**
